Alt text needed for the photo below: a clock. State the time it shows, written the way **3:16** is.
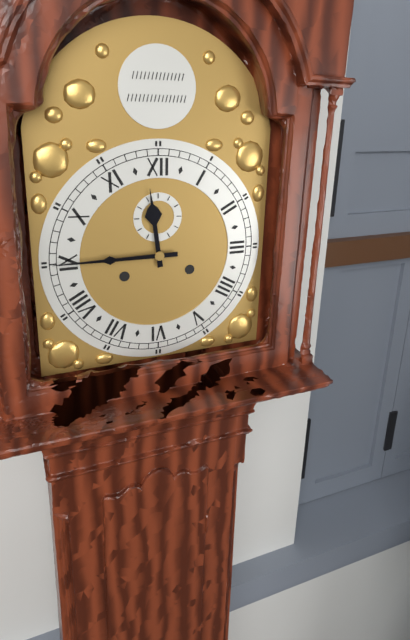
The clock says **11:45**
